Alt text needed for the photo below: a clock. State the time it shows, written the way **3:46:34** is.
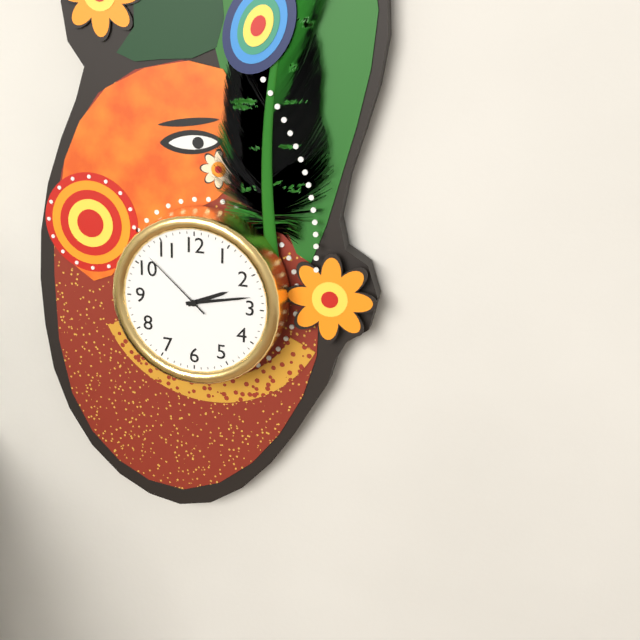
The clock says **2:13:52**
